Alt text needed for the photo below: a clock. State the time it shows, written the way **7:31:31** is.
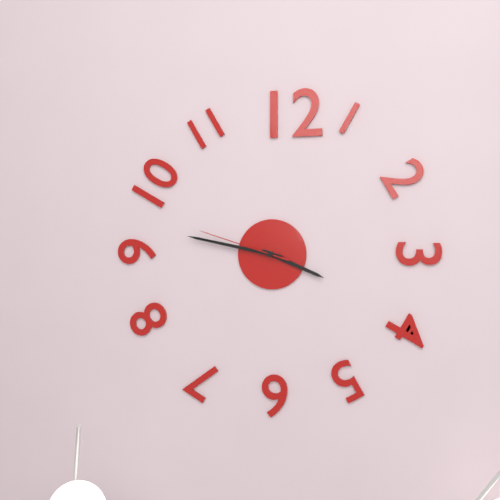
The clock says **3:47:48**
